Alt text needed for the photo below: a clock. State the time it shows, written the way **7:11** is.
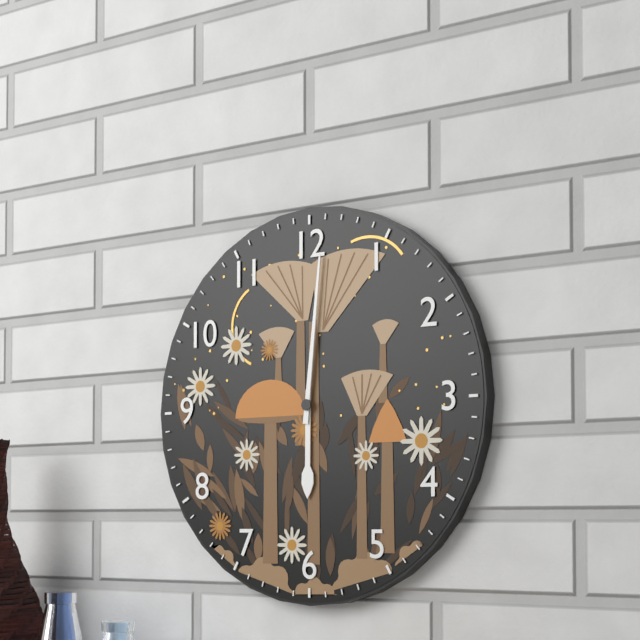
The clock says **6:01**
